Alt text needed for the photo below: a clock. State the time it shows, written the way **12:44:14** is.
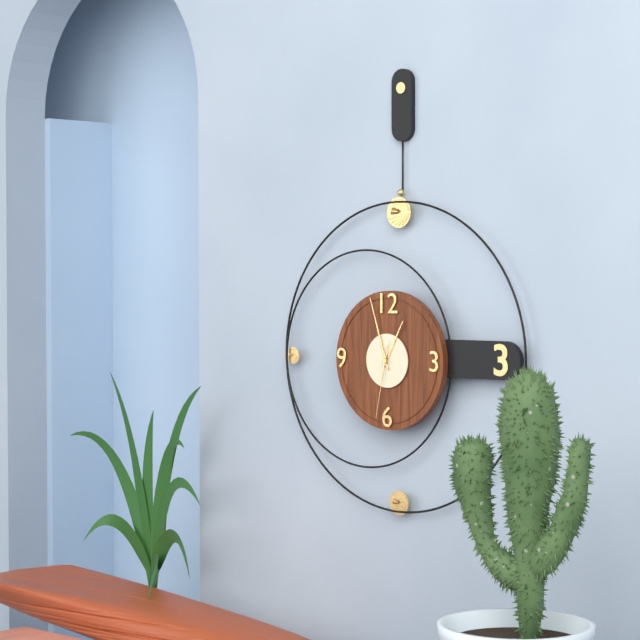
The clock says **12:57:32**
